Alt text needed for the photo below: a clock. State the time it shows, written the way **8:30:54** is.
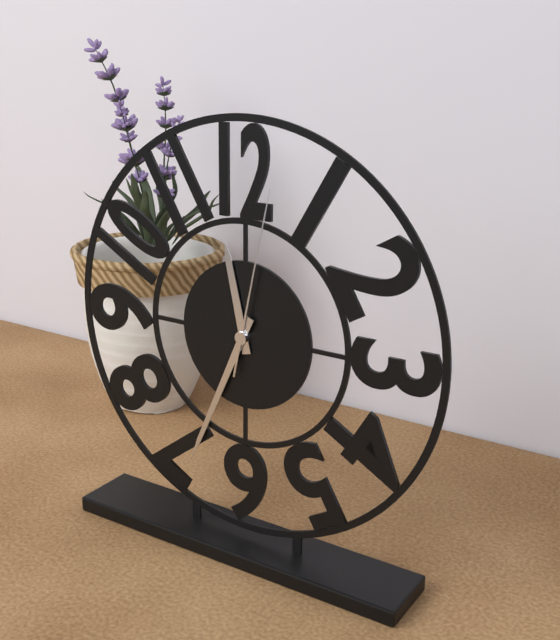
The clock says **11:34:02**
